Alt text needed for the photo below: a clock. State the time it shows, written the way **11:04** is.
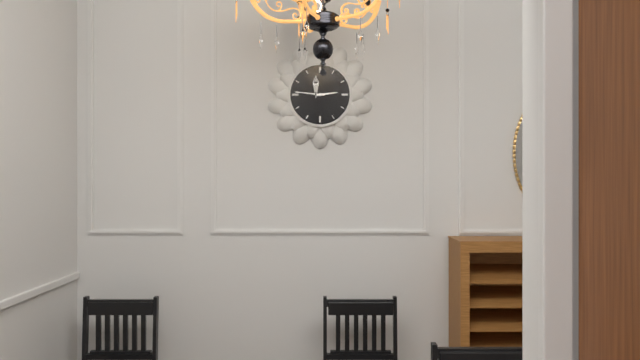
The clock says **2:46**
